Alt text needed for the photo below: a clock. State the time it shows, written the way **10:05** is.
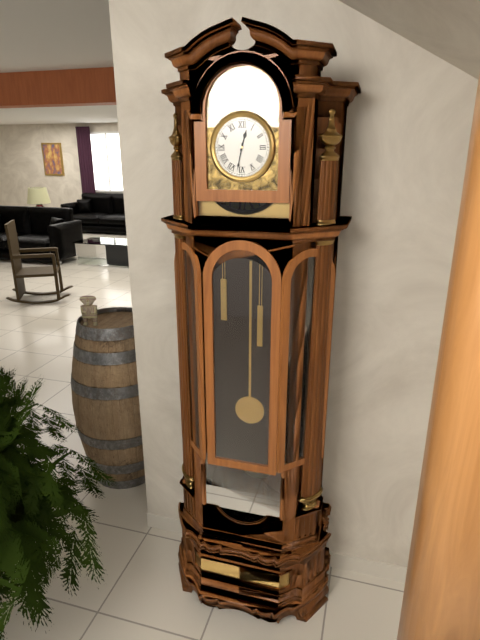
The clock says **12:32**
